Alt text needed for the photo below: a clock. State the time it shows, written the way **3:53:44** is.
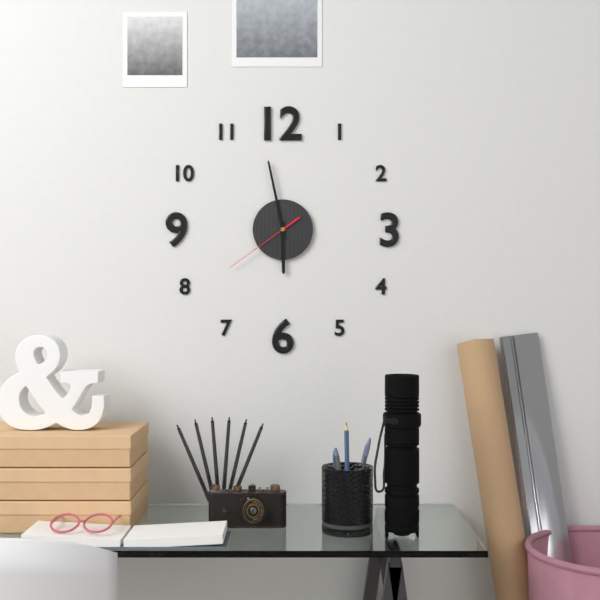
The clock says **5:58:39**
